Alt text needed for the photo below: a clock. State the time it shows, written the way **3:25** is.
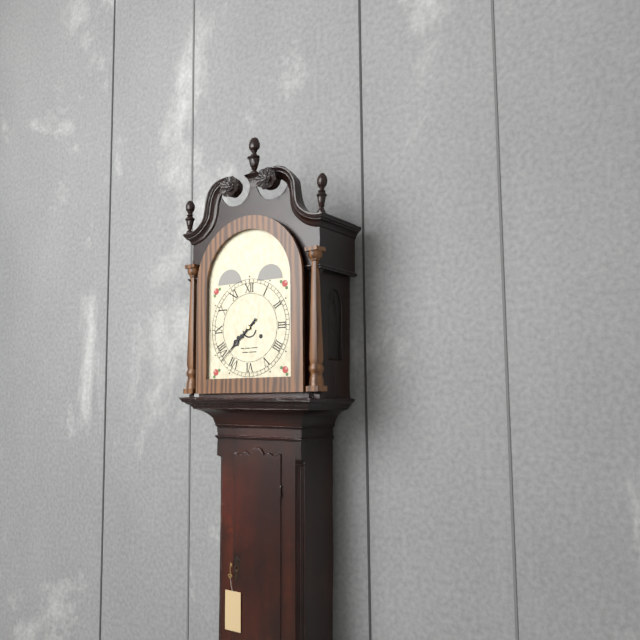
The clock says **7:38**
